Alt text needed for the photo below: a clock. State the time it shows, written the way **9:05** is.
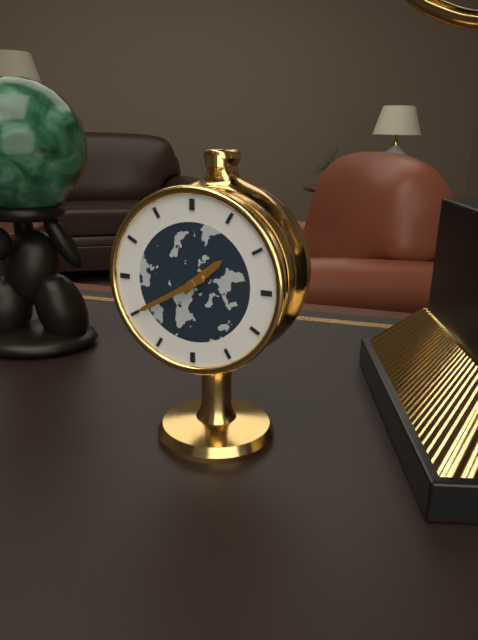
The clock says **1:40**
